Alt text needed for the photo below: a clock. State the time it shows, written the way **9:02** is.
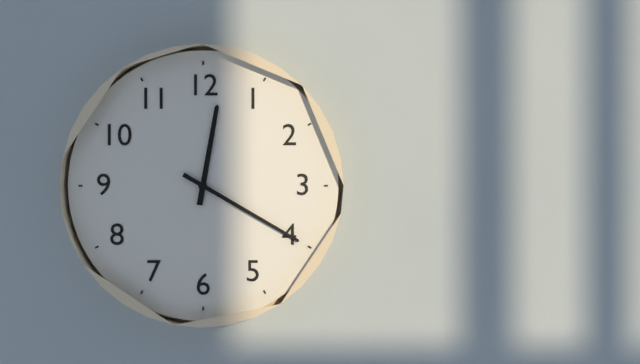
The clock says **12:20**
